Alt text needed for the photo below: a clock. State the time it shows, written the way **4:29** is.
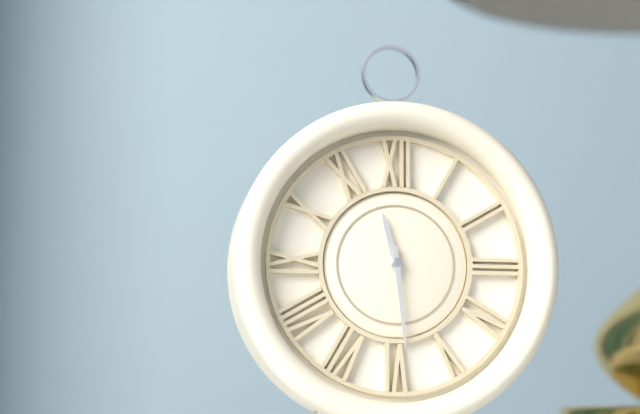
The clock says **11:29**
